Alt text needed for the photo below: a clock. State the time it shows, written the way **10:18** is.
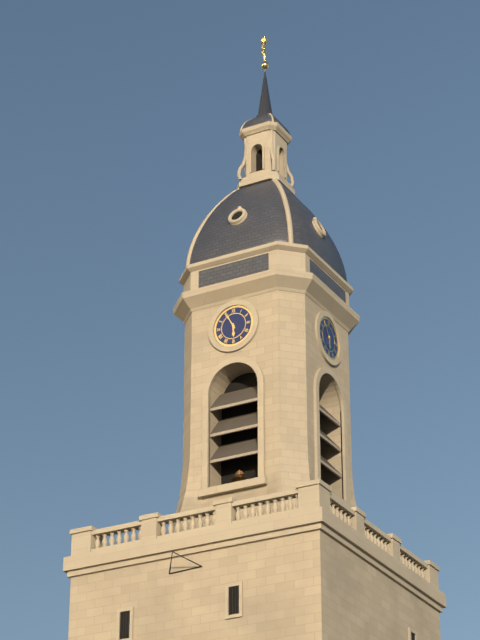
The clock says **5:55**
